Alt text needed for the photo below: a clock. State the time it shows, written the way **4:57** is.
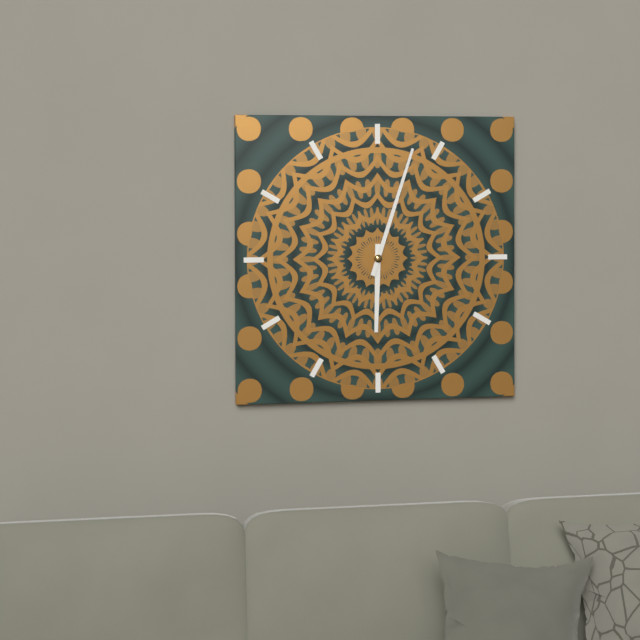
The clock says **6:03**
